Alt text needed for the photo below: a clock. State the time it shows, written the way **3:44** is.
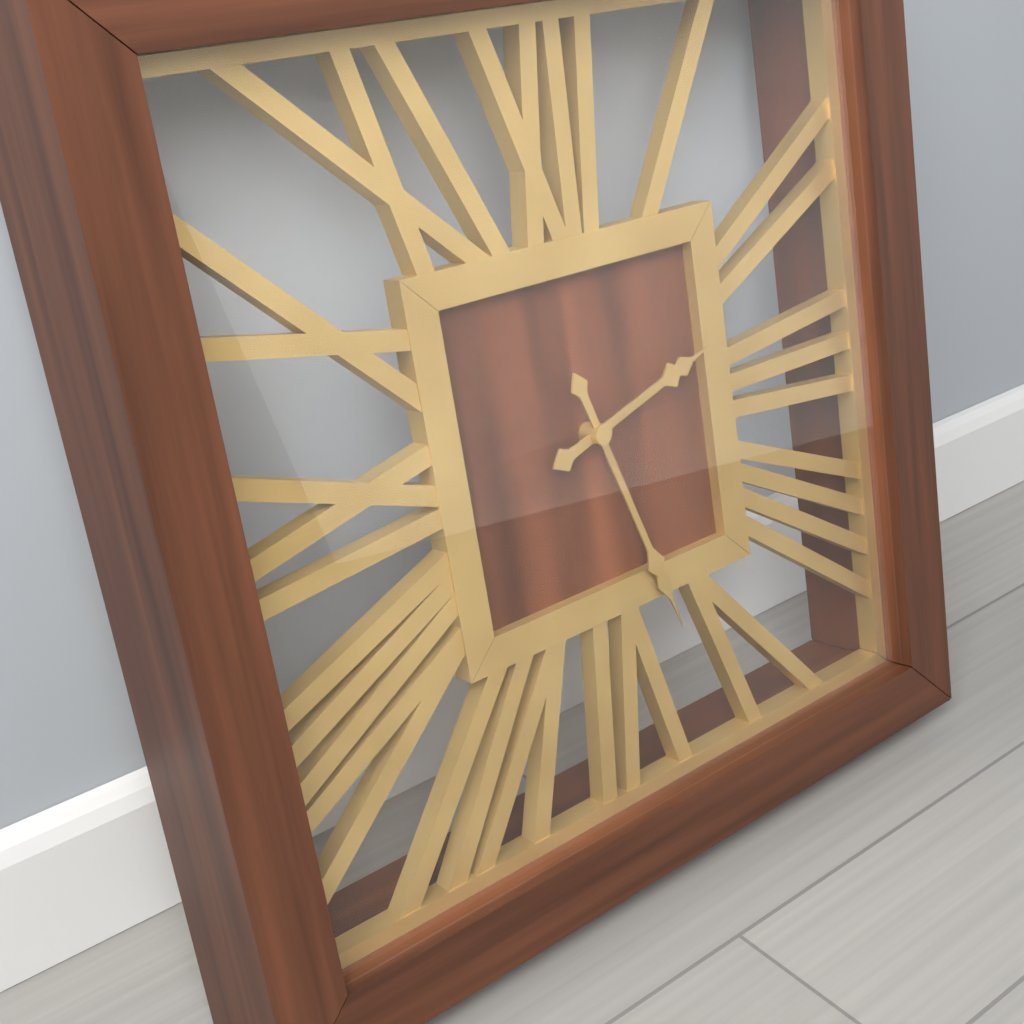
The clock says **2:27**
